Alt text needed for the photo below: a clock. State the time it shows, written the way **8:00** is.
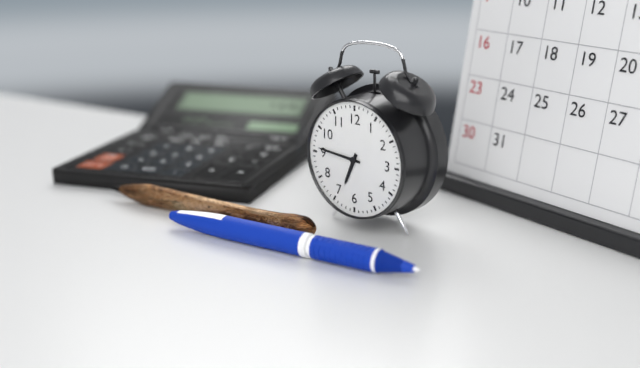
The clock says **6:46**
